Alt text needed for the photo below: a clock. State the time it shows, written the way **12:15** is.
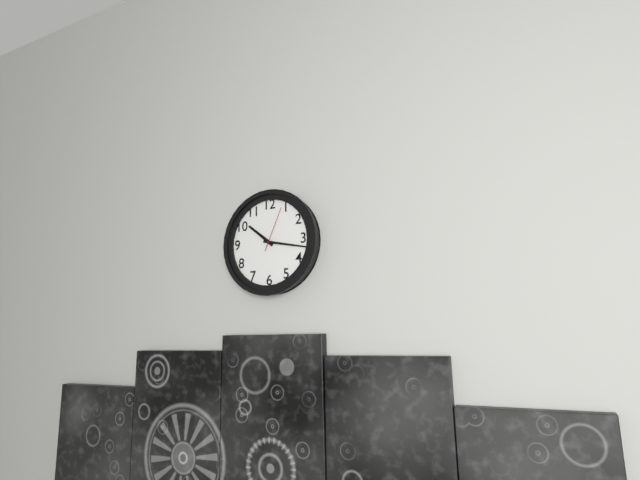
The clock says **10:17**
